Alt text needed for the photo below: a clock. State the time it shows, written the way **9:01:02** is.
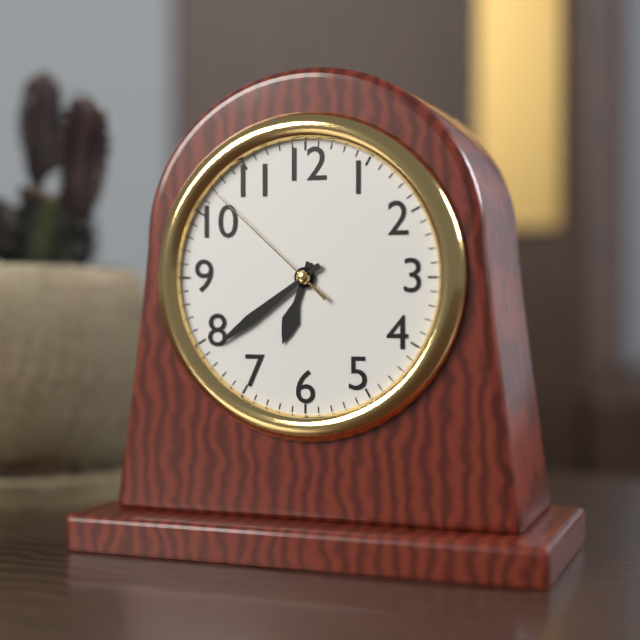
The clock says **6:39:52**
